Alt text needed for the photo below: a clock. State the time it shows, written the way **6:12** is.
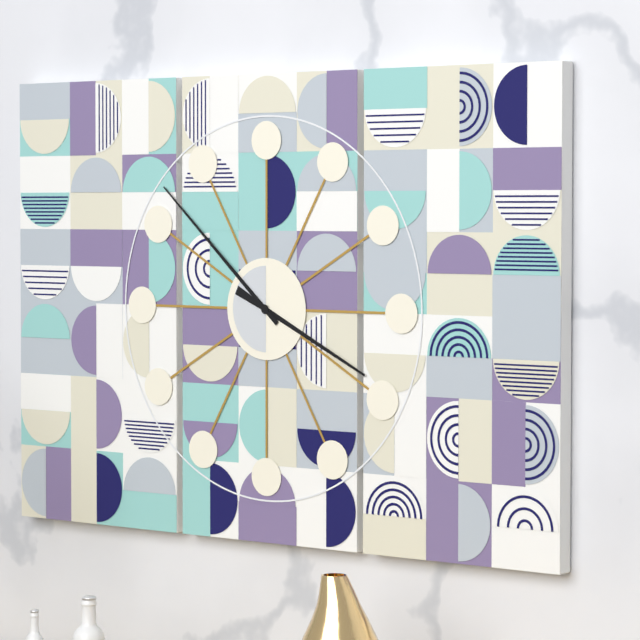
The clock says **3:52**
